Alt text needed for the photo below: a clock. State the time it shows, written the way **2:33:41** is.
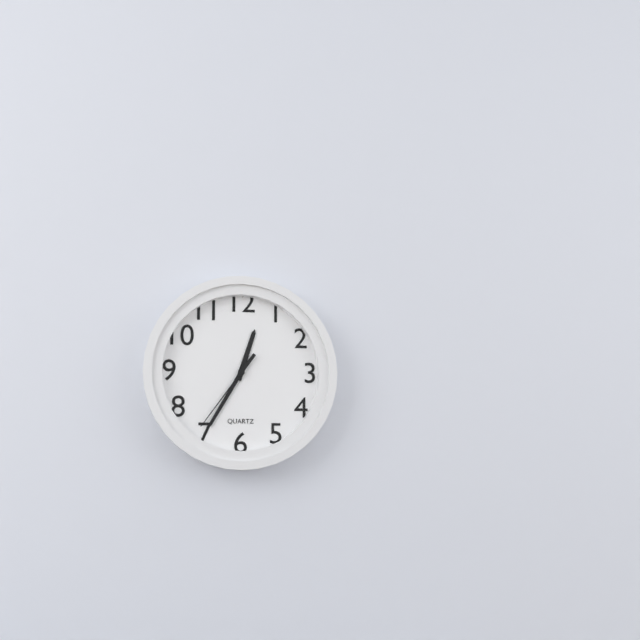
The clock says **12:35:36**
